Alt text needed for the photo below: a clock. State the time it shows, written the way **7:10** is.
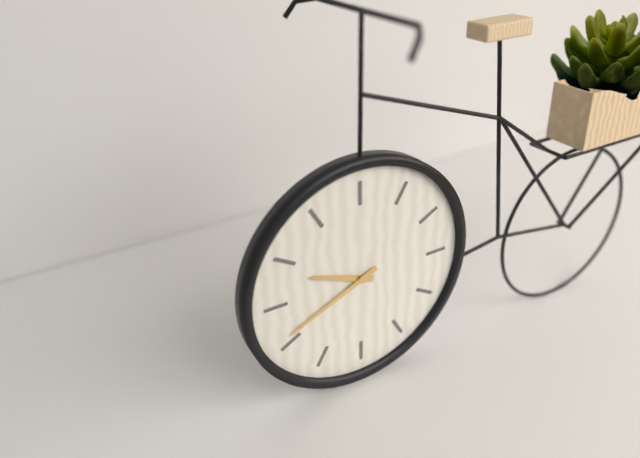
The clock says **9:41**
